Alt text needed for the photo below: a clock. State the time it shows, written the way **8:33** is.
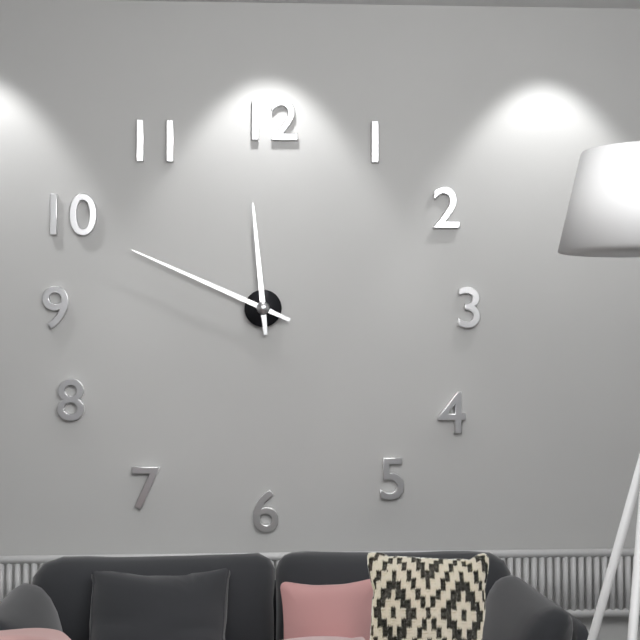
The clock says **11:49**
